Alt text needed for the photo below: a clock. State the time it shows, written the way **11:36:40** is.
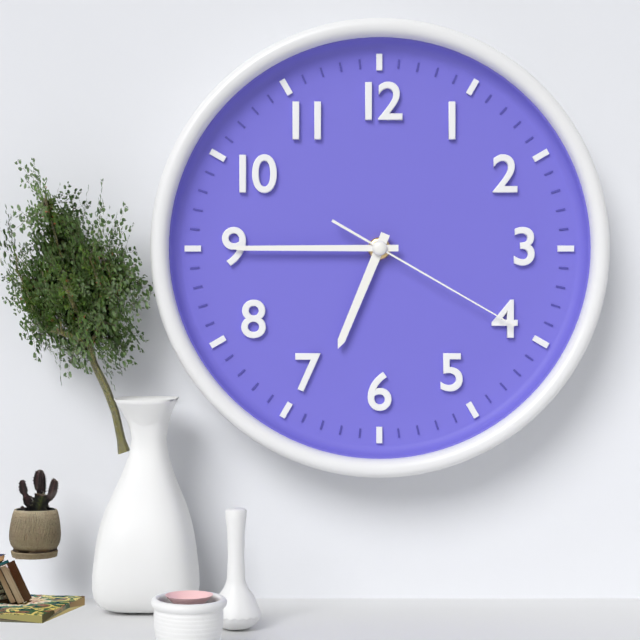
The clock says **6:45:20**
